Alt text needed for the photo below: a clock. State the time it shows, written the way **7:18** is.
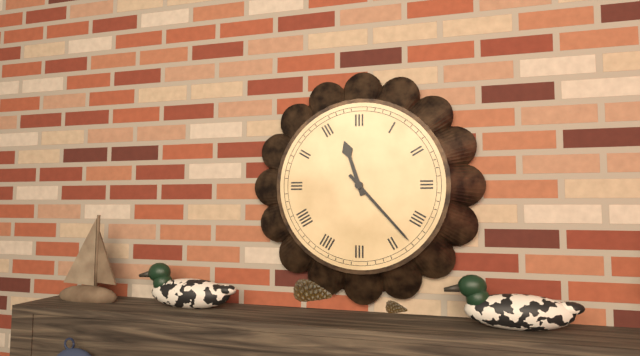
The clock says **11:23**
